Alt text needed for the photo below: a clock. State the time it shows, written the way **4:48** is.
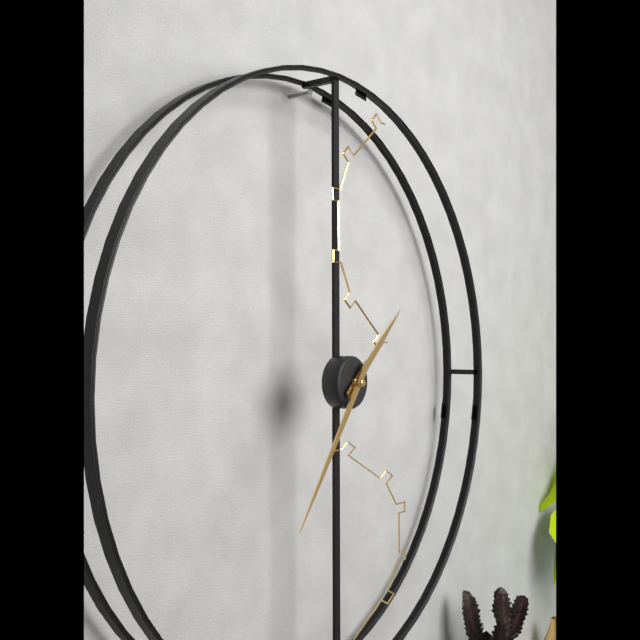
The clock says **1:36**
